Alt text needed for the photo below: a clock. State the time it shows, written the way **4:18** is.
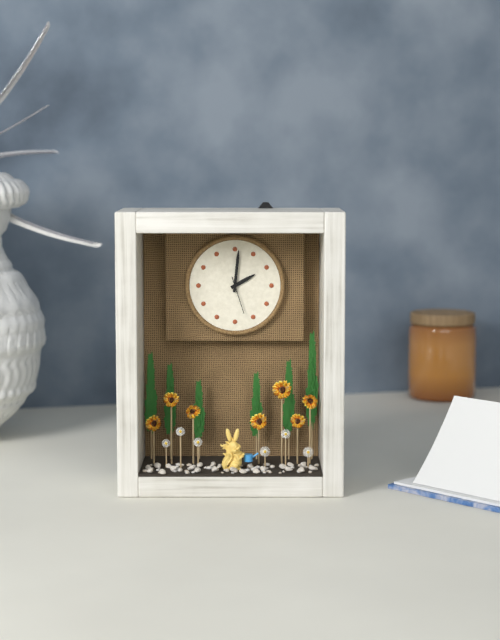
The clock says **2:01**
